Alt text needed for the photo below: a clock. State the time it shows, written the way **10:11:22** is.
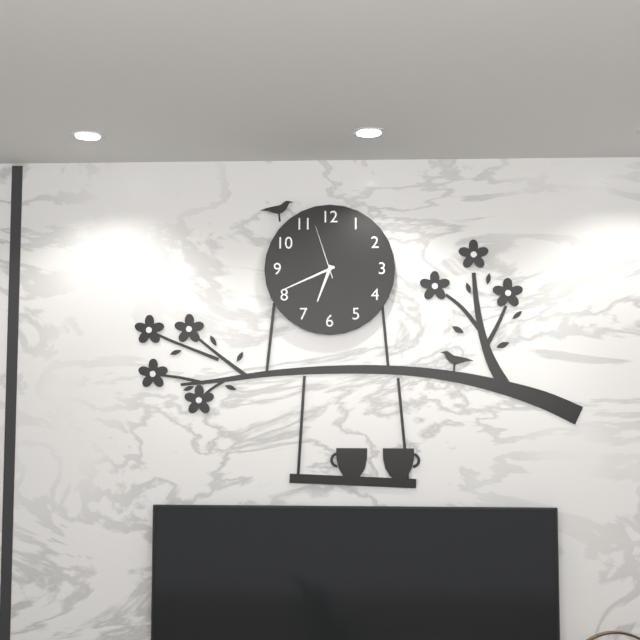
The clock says **6:41:57**
